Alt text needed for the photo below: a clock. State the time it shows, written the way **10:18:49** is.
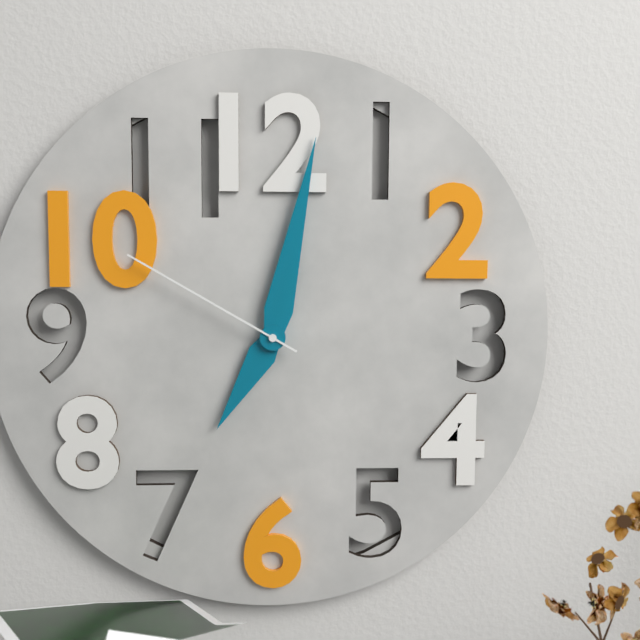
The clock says **7:02:50**
